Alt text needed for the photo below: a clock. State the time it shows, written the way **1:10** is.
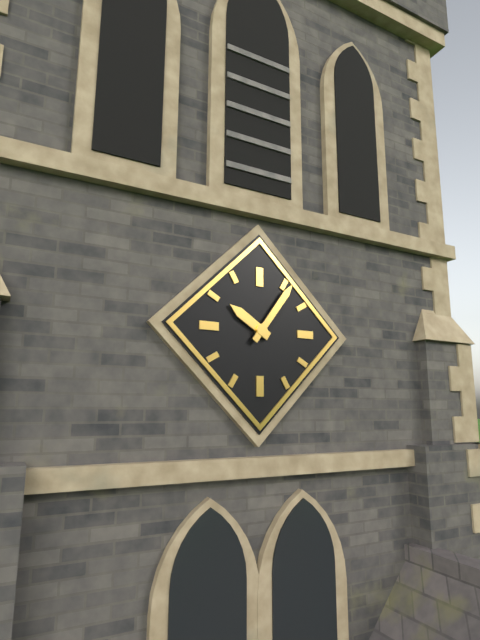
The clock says **10:06**
